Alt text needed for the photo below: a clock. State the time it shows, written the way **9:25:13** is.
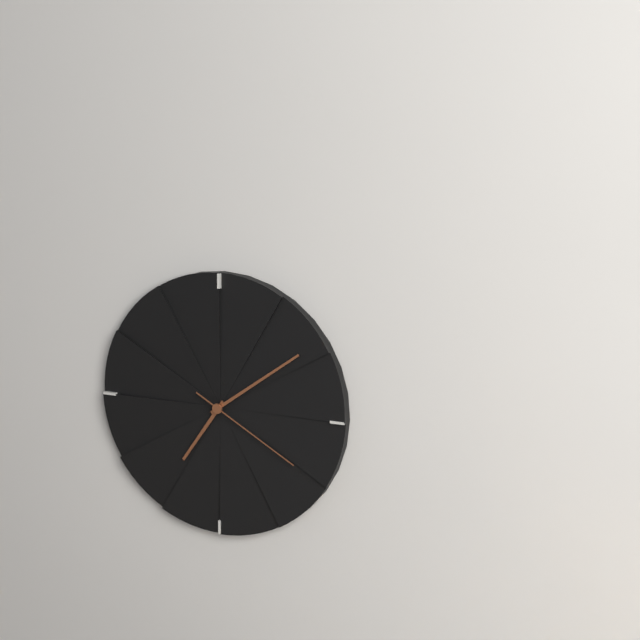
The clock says **7:09:20**
